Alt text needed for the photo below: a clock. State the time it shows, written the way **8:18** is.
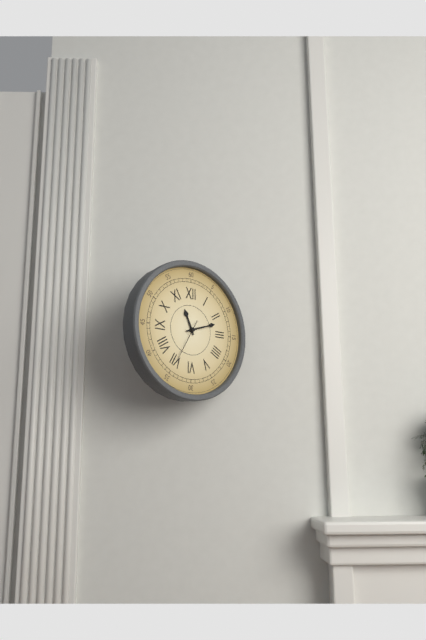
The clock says **11:12**
